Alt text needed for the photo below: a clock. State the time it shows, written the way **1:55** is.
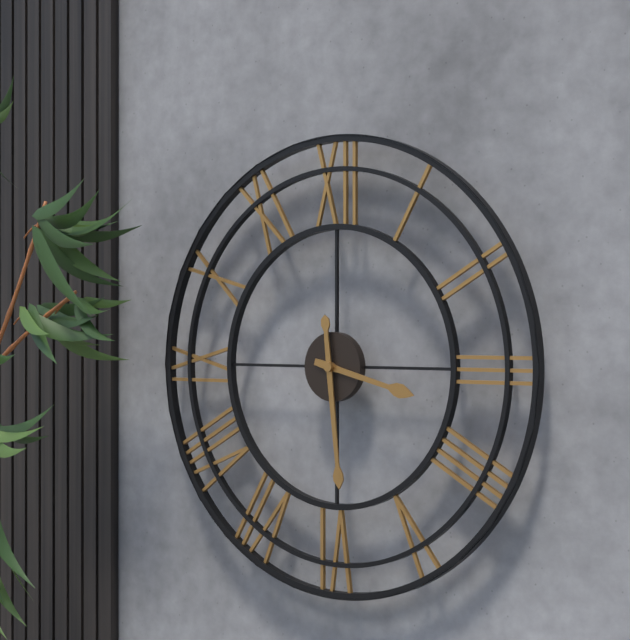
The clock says **3:29**
